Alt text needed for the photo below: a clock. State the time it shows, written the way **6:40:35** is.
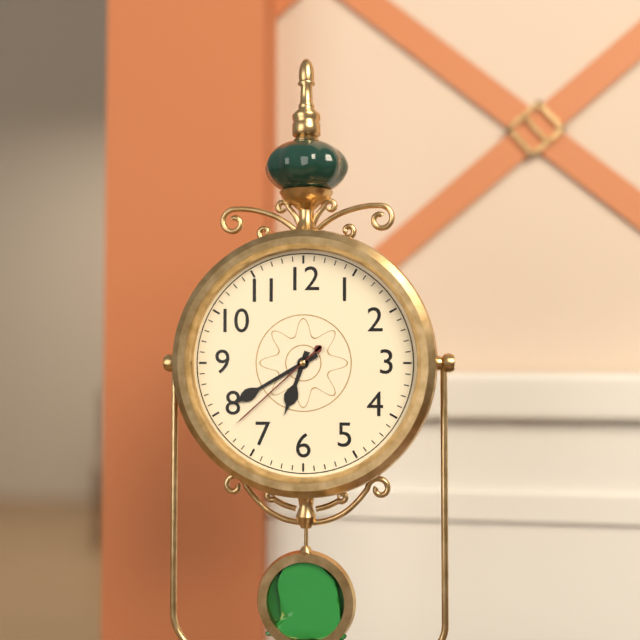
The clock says **6:40:38**
